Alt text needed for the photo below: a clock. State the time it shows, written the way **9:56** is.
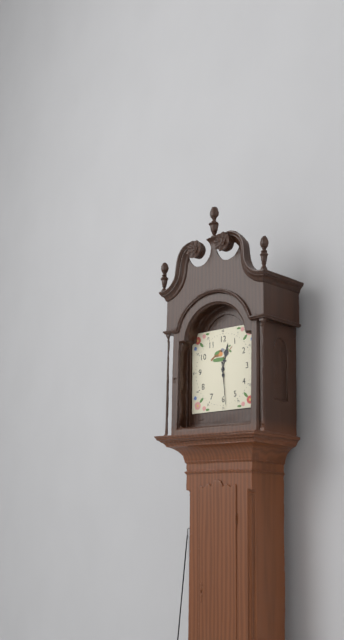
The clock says **12:29**
